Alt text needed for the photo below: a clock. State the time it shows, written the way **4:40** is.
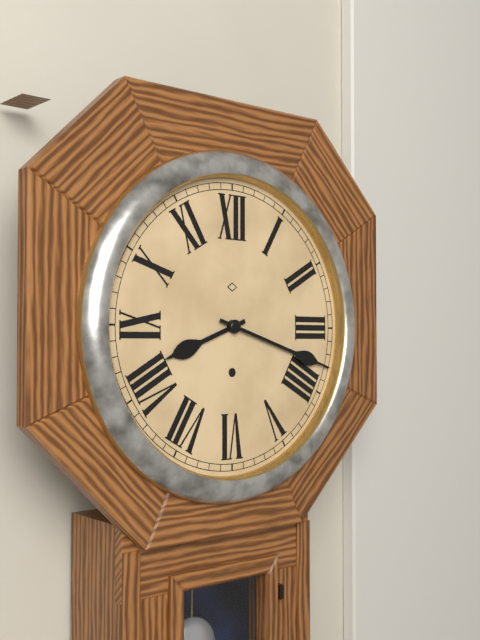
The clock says **8:18**
